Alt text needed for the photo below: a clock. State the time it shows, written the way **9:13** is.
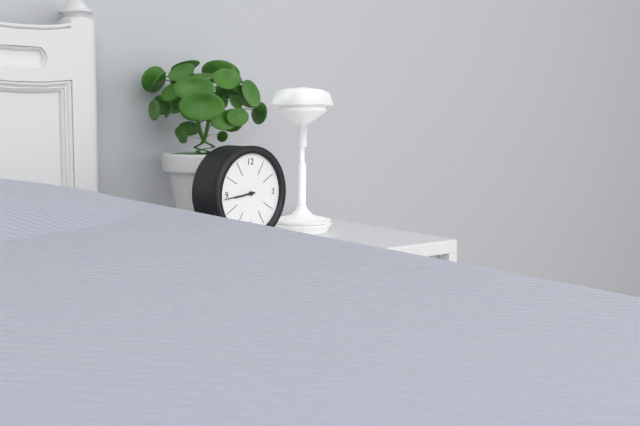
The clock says **8:44**
